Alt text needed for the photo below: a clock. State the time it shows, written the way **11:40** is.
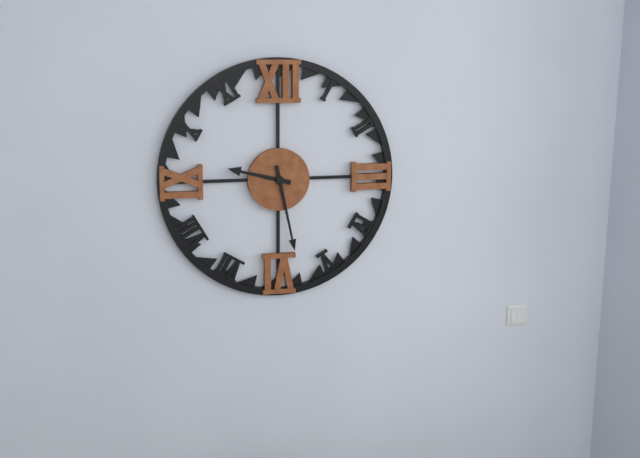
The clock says **9:28**
